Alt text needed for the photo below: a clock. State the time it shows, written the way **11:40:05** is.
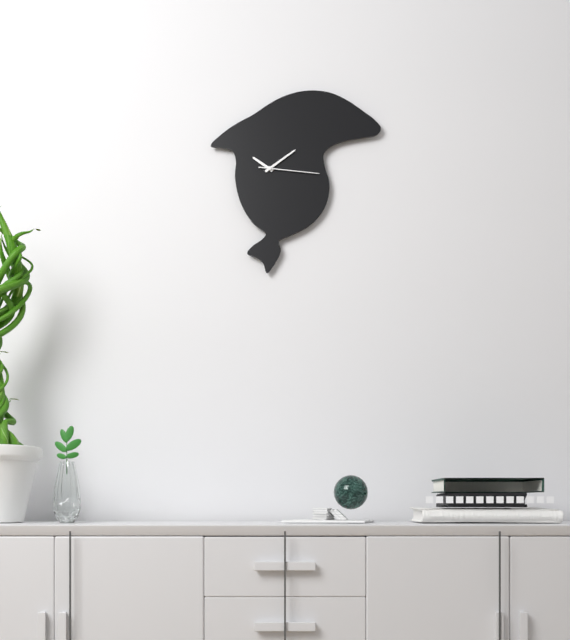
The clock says **10:09:16**
